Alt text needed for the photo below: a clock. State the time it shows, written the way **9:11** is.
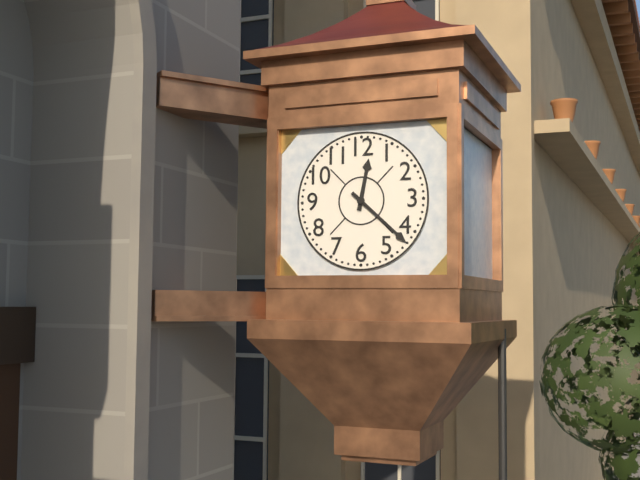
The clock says **12:22**
